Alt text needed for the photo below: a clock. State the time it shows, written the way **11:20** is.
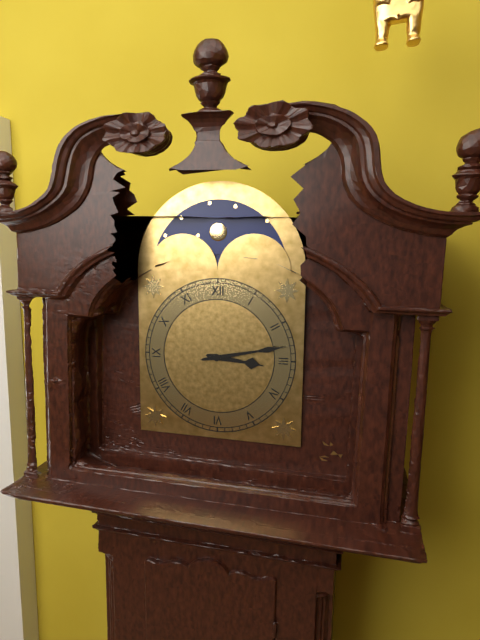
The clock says **3:13**
